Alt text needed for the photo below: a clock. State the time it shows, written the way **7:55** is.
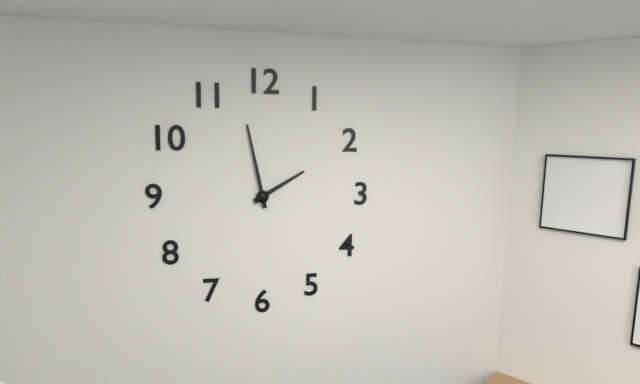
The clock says **1:58**
